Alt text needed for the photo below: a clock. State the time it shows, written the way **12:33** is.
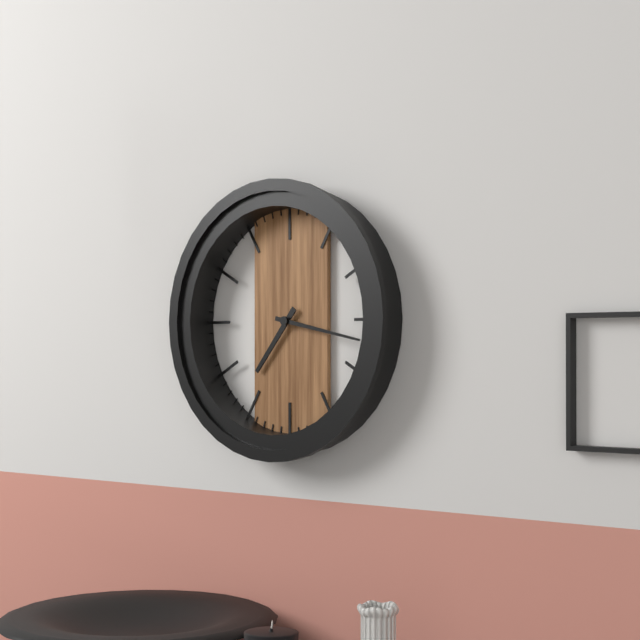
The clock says **7:17**
